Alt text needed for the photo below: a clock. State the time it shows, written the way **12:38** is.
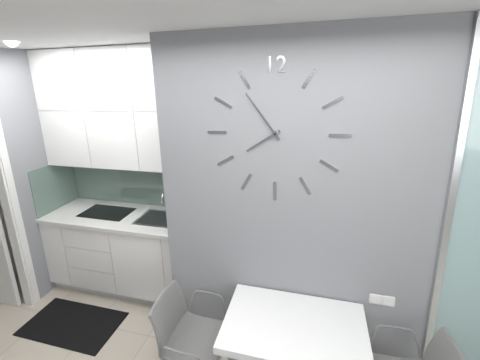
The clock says **7:54**
